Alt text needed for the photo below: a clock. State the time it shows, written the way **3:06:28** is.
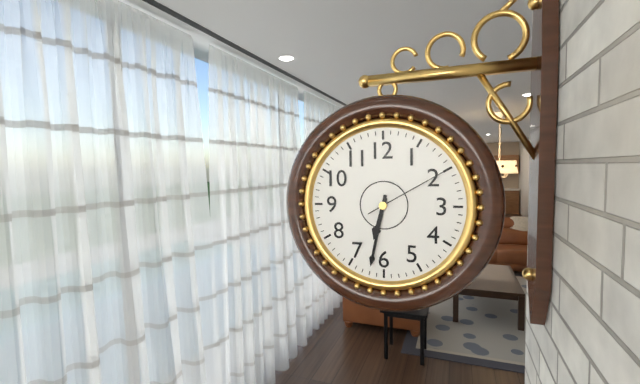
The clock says **6:32:10**
